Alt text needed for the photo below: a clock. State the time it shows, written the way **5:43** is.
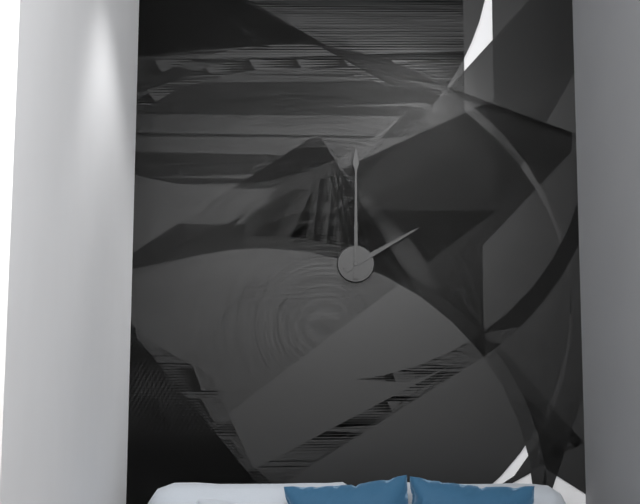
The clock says **2:00**
